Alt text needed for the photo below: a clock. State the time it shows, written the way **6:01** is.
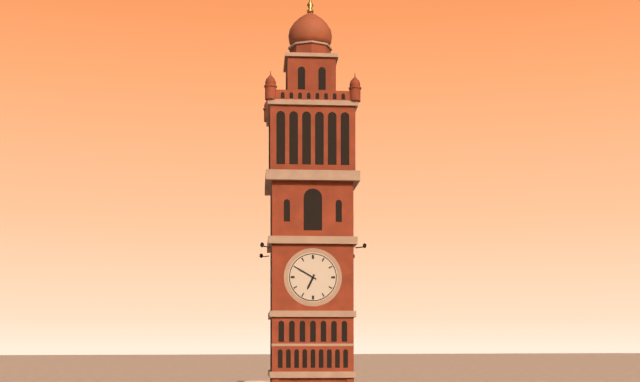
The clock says **6:50**
